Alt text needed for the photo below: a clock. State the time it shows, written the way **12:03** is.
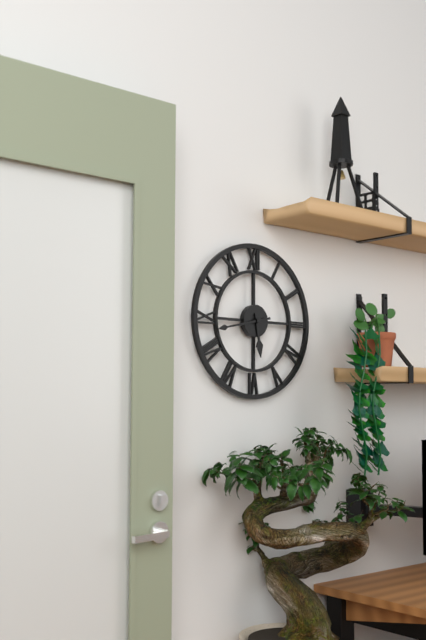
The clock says **5:43**
